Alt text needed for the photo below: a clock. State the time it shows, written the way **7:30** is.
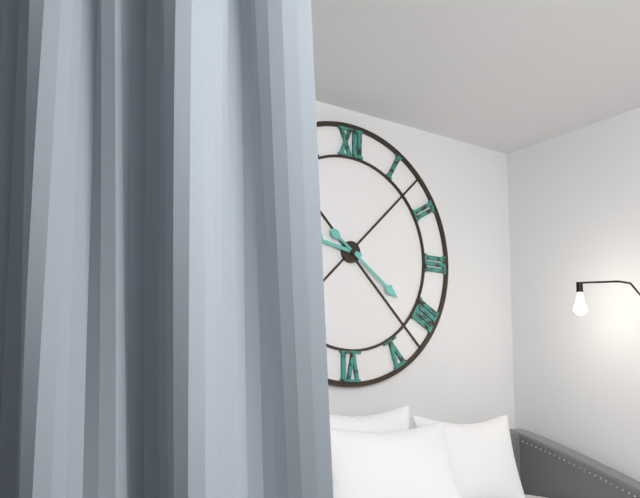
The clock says **9:21**
